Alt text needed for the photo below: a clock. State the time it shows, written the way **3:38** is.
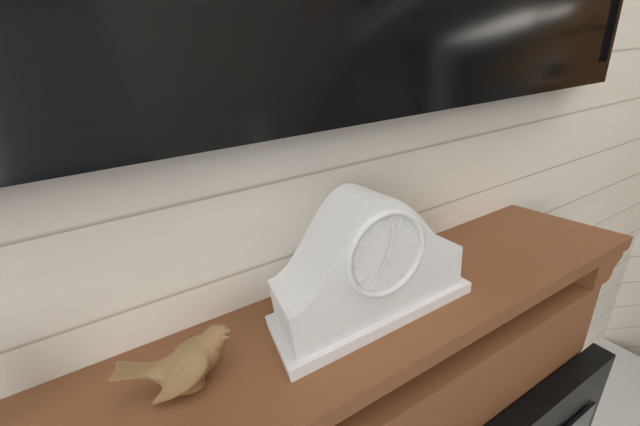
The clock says **7:02**
